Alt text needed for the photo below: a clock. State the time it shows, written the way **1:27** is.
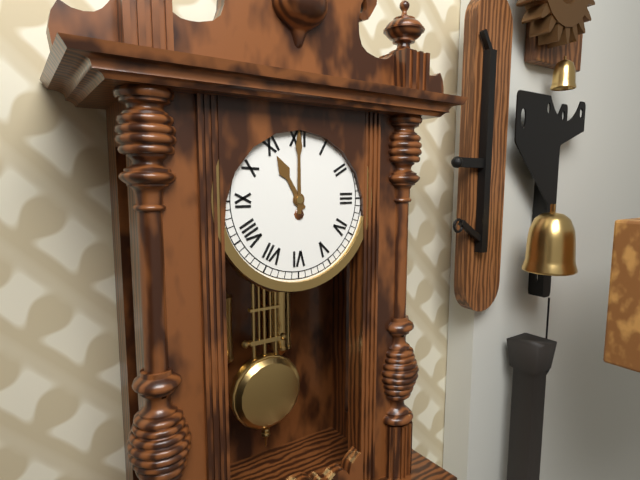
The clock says **11:00**
